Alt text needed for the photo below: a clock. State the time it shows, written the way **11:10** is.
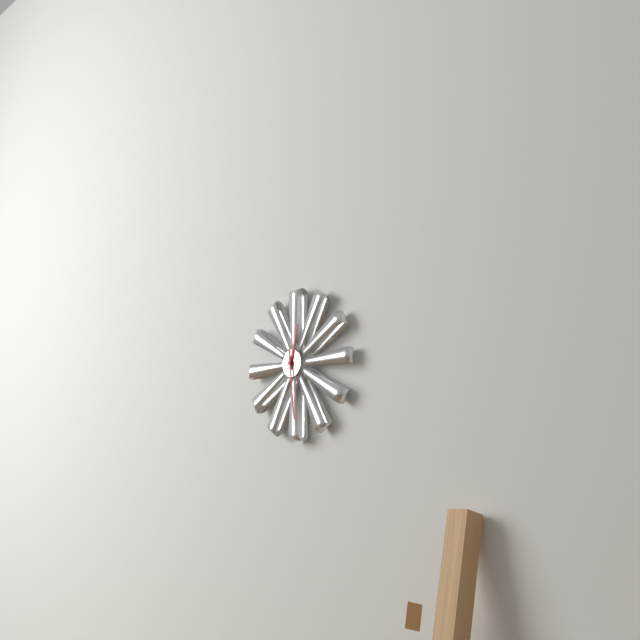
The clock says **12:29**
